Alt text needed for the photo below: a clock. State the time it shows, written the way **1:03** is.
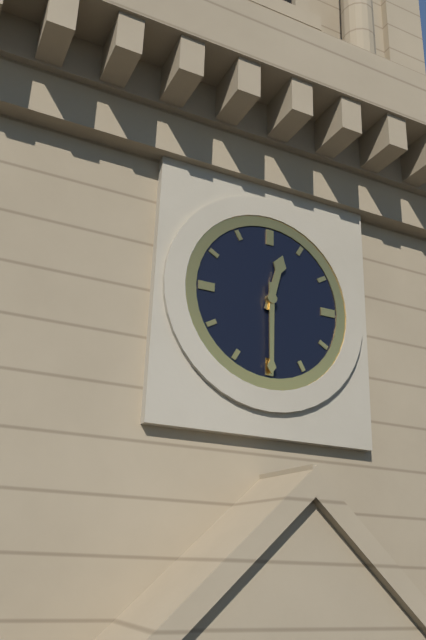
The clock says **12:30**
